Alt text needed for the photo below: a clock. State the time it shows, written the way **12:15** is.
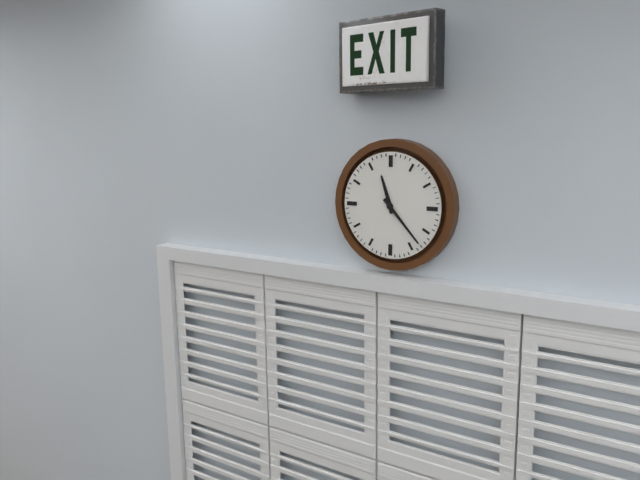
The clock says **11:23**
